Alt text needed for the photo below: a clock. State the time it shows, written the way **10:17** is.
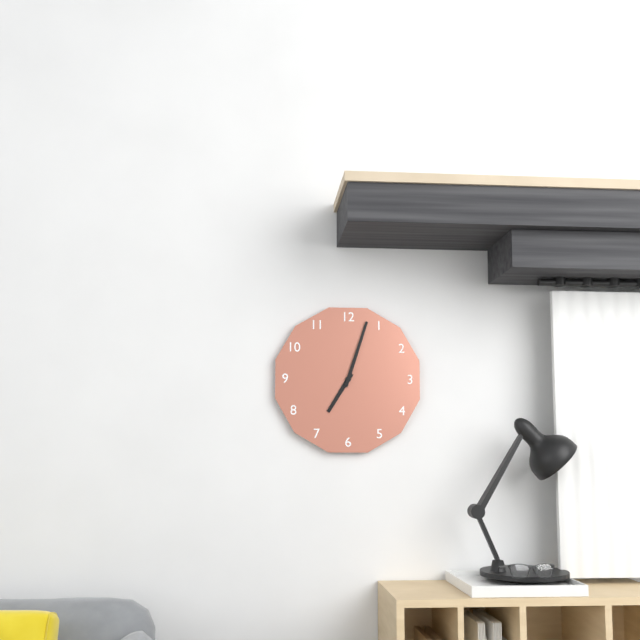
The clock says **7:03**
